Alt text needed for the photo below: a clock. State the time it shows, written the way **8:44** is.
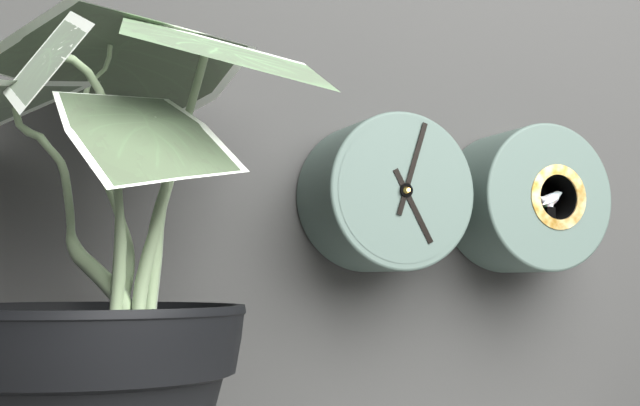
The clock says **5:03**
